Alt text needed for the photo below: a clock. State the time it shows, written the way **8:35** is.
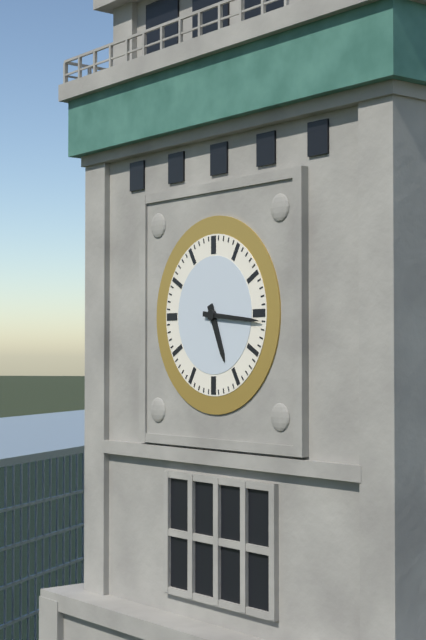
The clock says **5:16**
